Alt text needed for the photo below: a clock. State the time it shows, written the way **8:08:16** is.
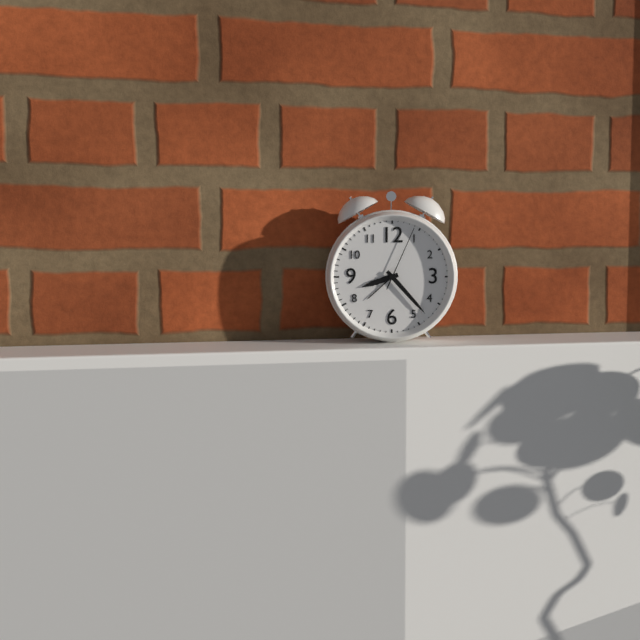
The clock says **8:23:04**
